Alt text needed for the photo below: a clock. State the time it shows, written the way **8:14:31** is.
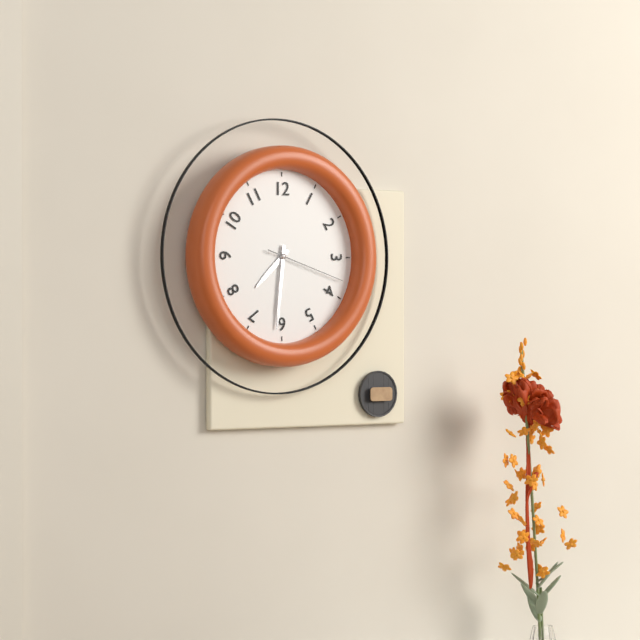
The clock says **7:31:18**
